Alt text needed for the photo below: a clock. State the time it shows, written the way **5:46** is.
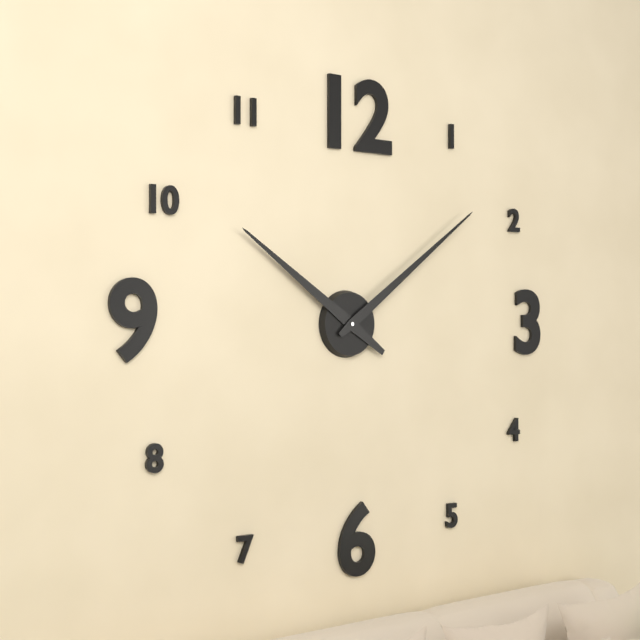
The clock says **10:09**
